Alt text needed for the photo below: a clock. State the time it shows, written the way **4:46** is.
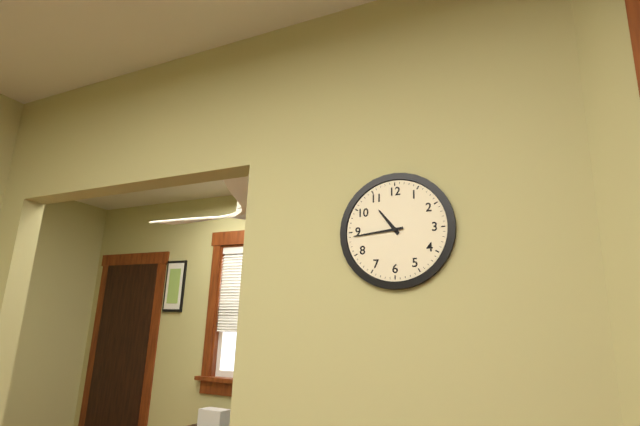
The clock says **10:44**
